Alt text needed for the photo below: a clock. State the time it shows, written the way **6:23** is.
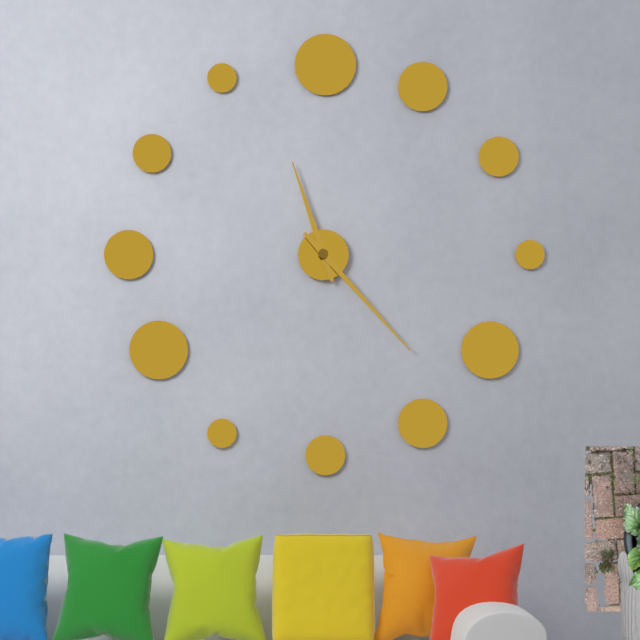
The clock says **11:23**
